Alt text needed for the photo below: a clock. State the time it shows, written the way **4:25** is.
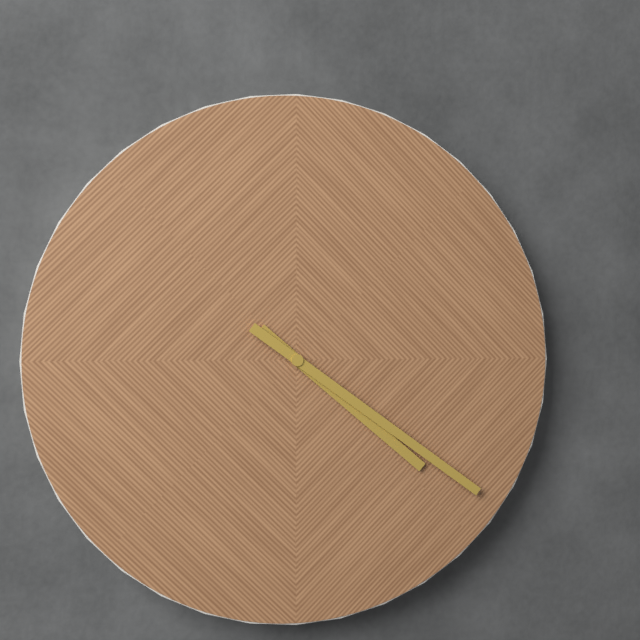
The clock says **4:21**
